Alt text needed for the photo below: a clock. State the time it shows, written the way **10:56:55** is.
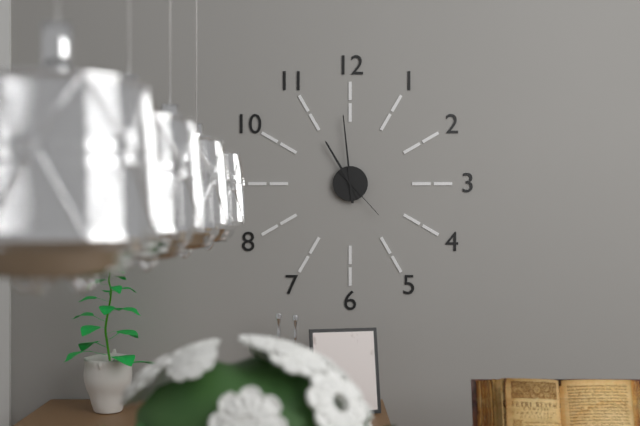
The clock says **10:59:23**
